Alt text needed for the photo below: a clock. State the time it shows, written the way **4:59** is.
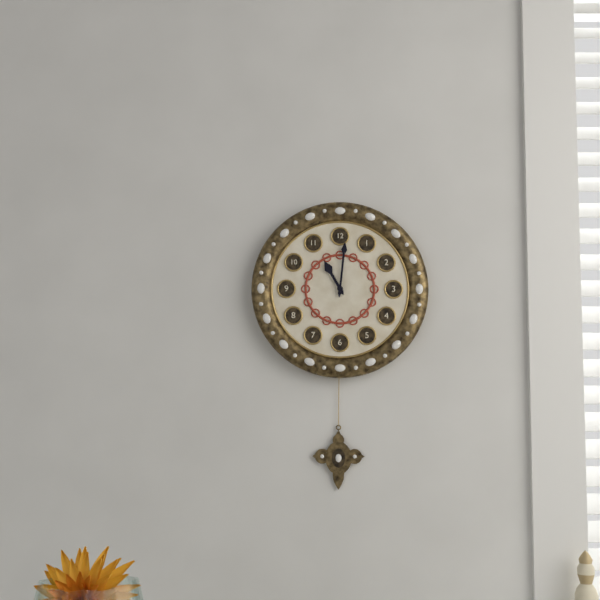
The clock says **11:01**
